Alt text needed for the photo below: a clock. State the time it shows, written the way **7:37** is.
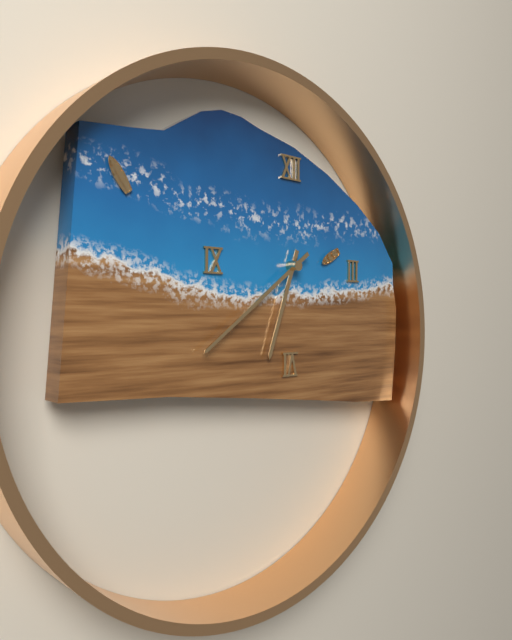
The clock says **6:39**
